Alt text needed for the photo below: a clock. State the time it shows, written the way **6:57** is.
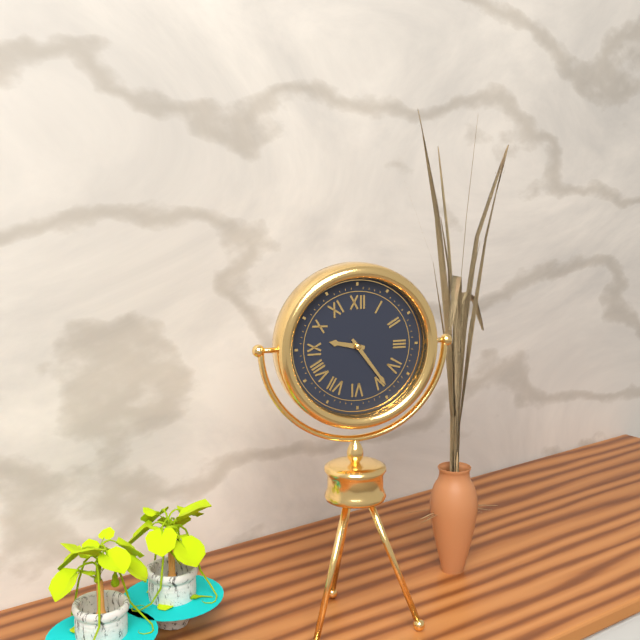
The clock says **9:24**
